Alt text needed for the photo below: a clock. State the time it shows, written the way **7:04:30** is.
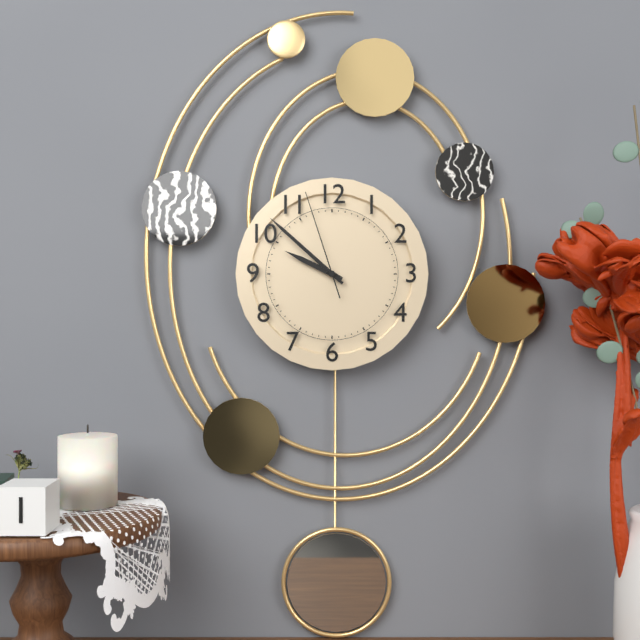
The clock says **9:52:57**
